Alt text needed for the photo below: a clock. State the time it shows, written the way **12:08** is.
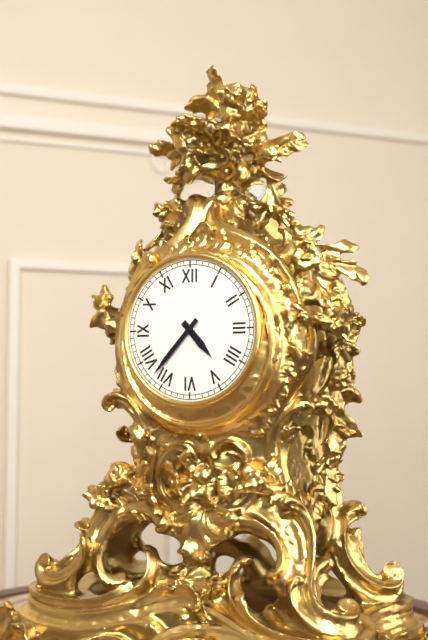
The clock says **4:37**
